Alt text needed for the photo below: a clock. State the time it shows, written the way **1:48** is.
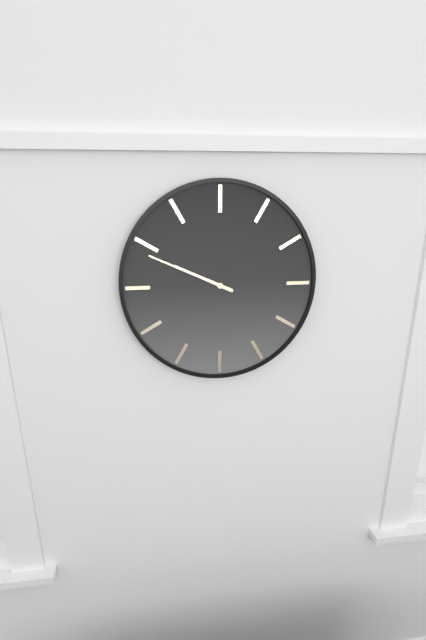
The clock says **9:49**
